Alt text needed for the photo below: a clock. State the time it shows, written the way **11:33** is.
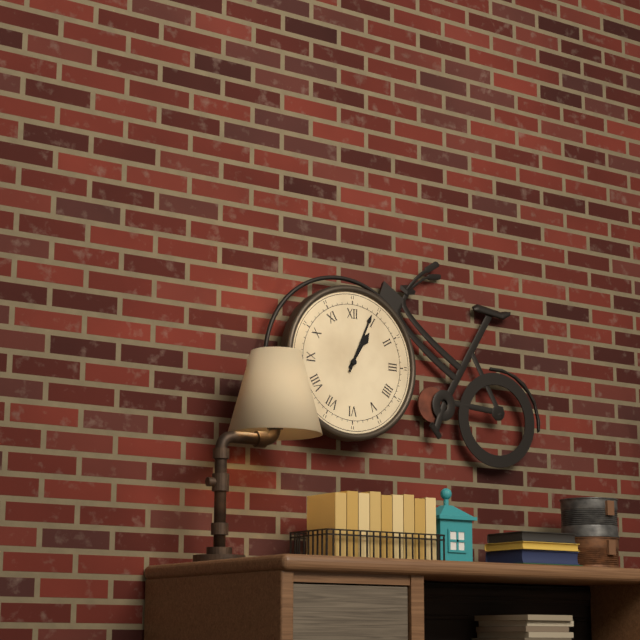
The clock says **1:04**
